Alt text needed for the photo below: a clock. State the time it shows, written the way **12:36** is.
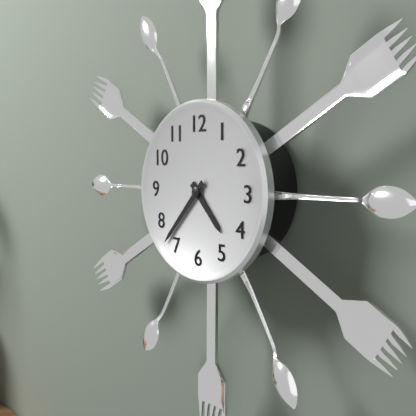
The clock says **4:37**
